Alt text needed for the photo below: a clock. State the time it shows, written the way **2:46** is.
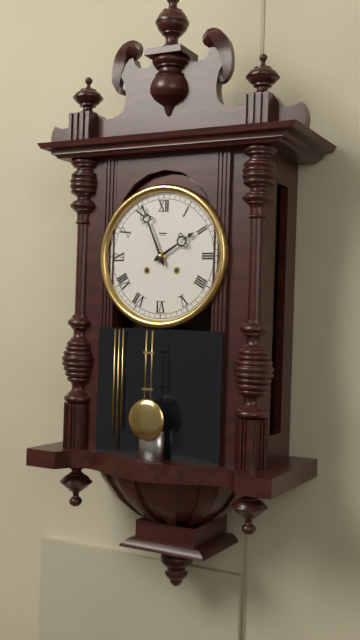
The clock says **1:56**
